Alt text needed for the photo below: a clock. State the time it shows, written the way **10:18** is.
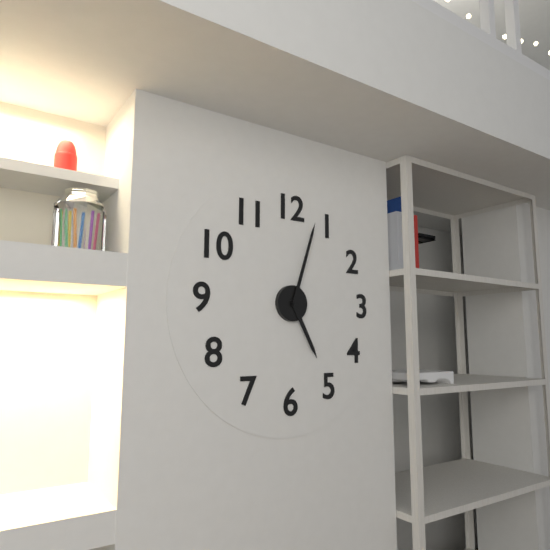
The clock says **5:03**
